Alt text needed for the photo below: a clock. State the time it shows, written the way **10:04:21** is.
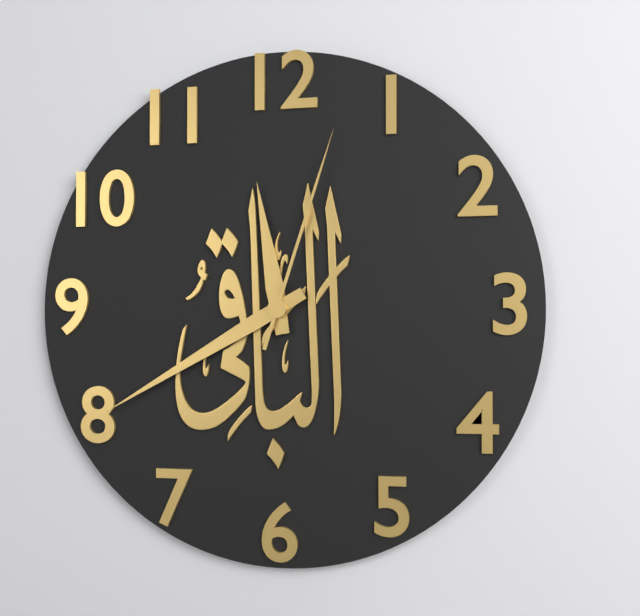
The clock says **11:40:03**
